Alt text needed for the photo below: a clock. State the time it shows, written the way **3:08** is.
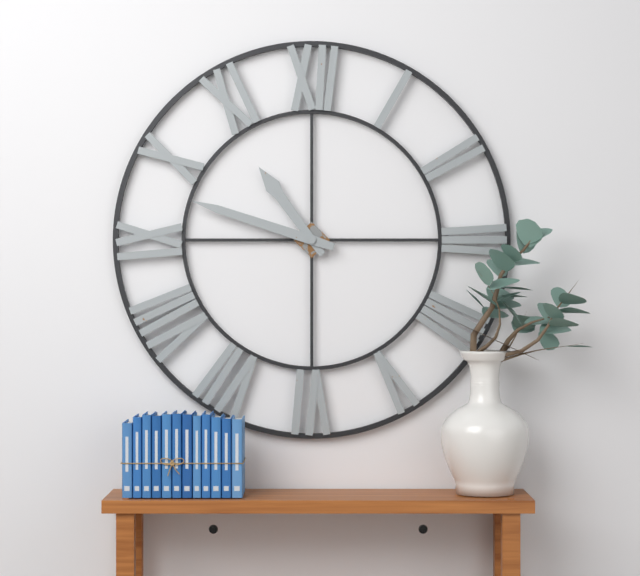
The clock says **10:48**
